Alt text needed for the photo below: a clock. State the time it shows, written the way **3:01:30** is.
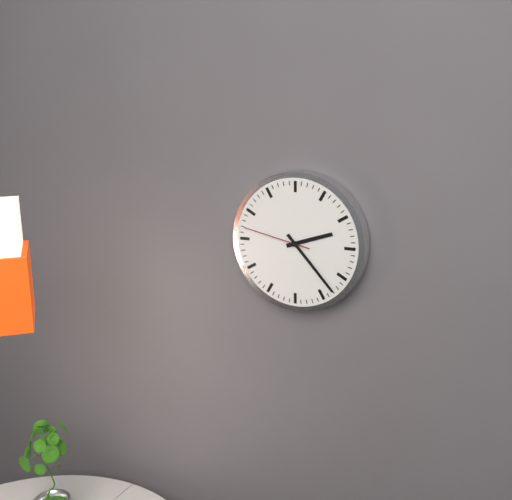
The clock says **2:23:47**
